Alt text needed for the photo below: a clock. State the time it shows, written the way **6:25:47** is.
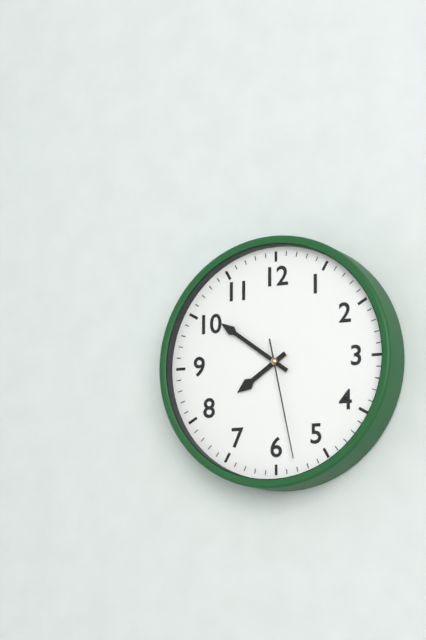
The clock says **7:51:28**
